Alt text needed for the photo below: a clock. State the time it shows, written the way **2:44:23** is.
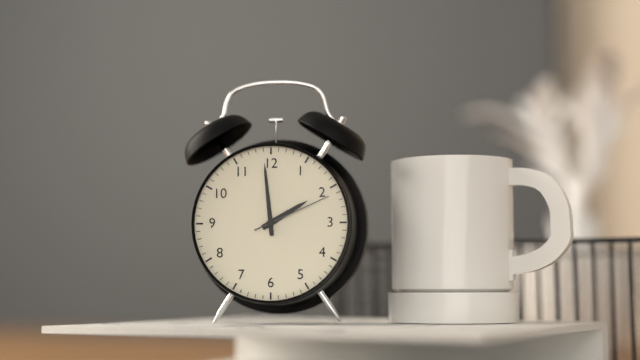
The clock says **1:59:11**
